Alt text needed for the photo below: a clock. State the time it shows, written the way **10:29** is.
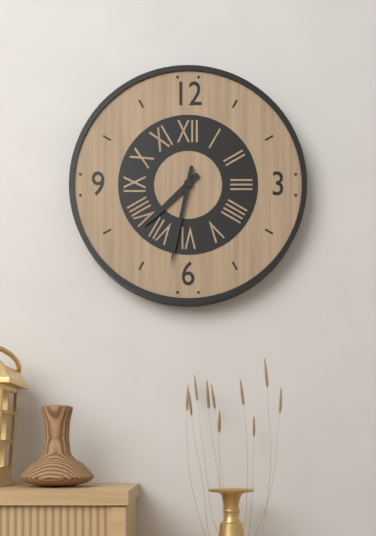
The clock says **7:32**
